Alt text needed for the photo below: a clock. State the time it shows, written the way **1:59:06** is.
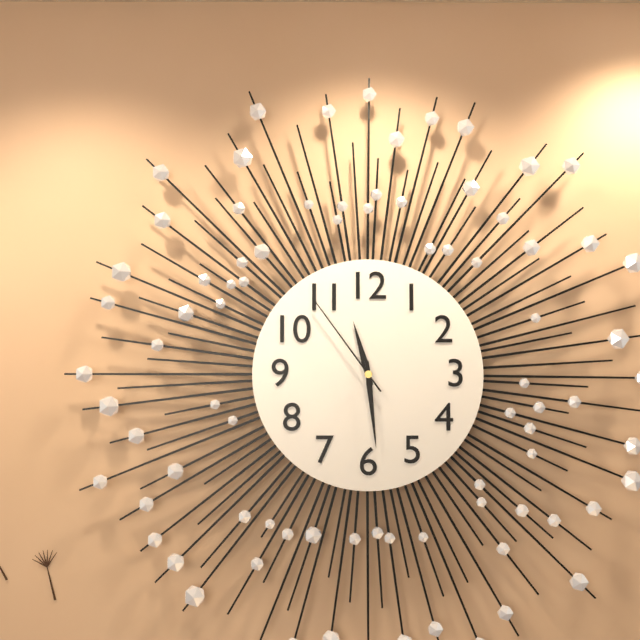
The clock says **11:29:54**
